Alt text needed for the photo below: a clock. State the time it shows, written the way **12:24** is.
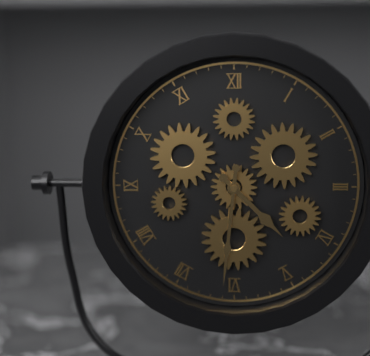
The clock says **4:31**
